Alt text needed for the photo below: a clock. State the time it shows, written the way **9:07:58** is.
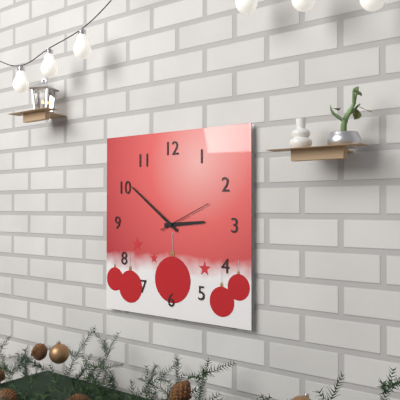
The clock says **2:51:11**
